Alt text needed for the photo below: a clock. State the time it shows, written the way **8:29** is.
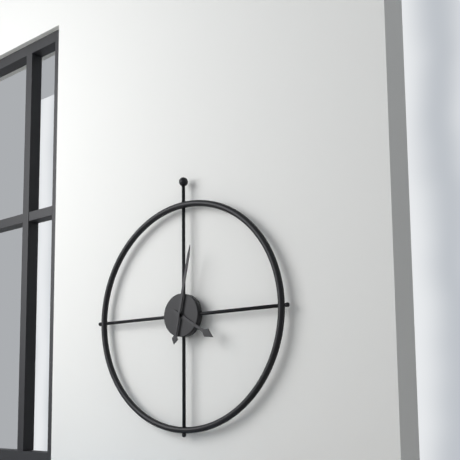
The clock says **4:02**
